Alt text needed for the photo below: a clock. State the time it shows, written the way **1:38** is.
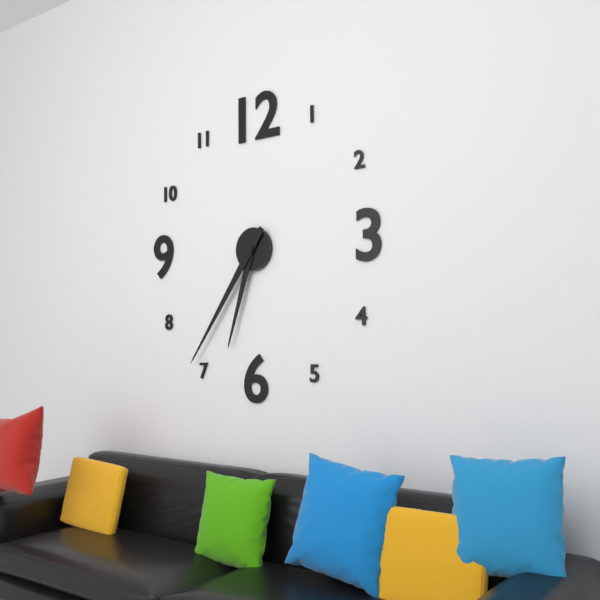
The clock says **6:36**
